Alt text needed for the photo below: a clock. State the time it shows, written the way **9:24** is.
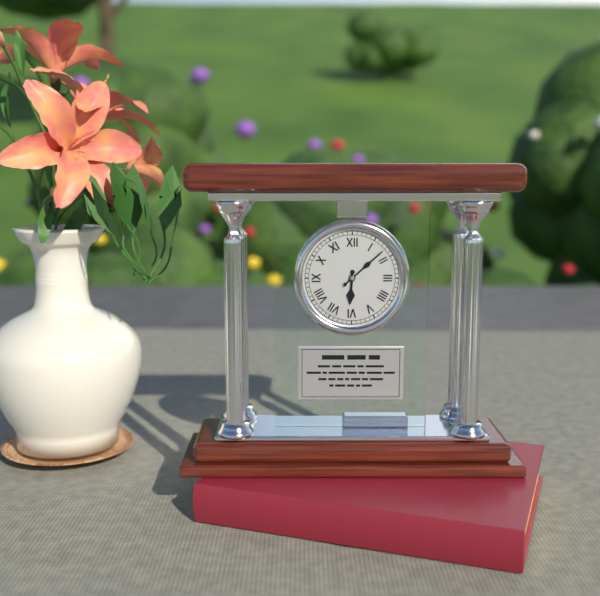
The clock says **6:08**
